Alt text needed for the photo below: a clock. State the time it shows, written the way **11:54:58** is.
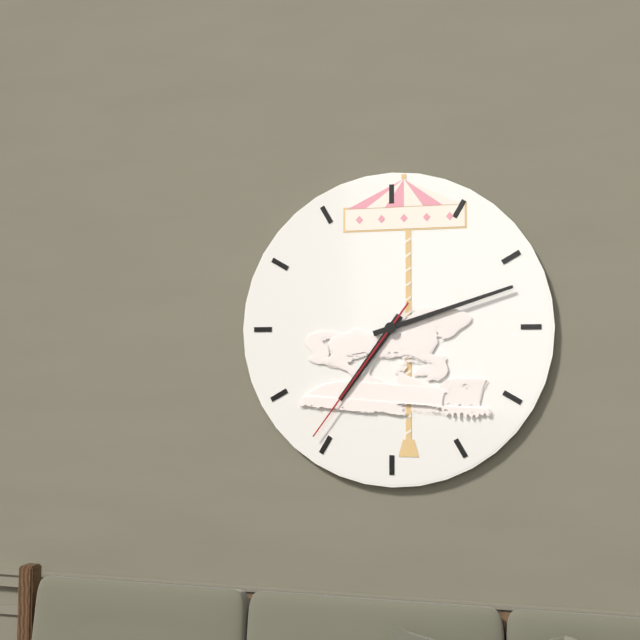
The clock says **7:12:36**
